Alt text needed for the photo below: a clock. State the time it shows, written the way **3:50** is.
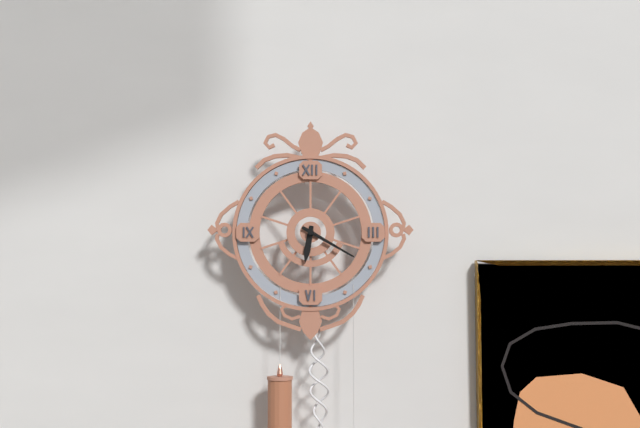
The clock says **6:20**
